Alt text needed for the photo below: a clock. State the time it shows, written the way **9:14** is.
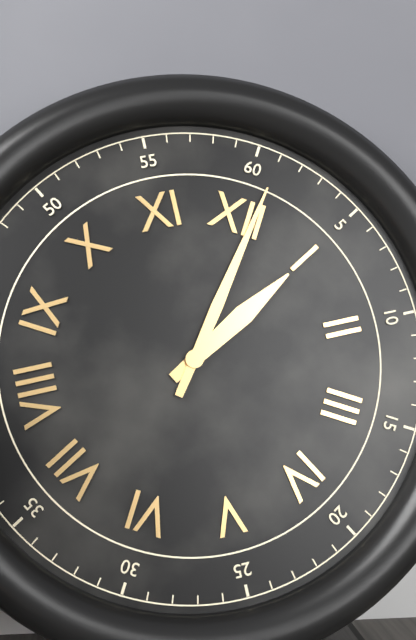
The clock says **1:01**
